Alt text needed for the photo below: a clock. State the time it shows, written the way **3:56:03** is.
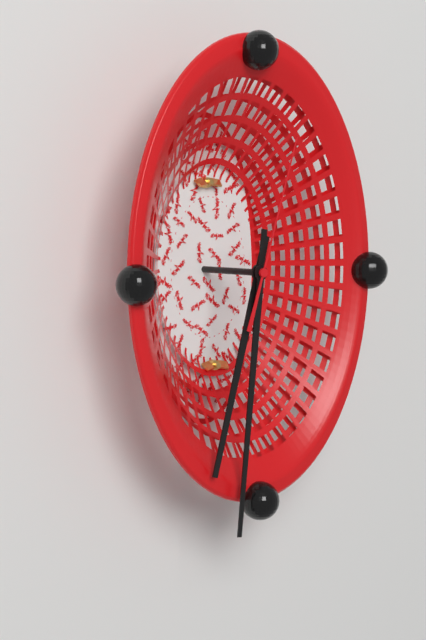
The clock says **6:31:03**
